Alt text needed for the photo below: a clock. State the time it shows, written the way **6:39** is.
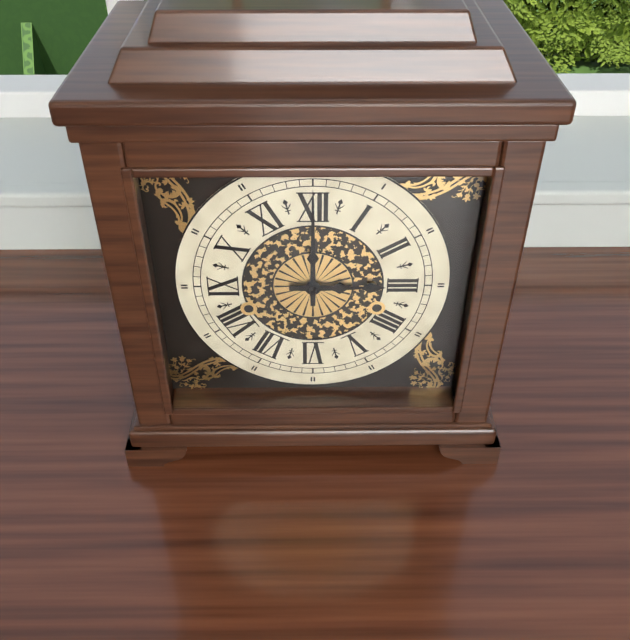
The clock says **3:00**
